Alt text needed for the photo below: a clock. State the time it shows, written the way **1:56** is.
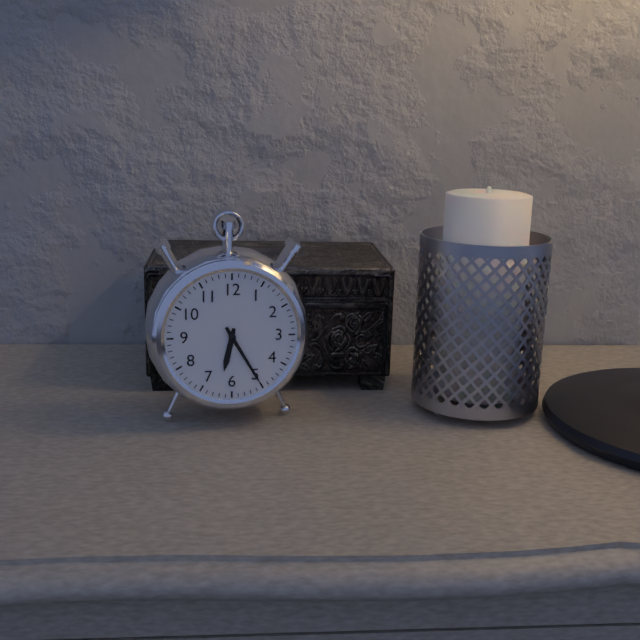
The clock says **6:25**
